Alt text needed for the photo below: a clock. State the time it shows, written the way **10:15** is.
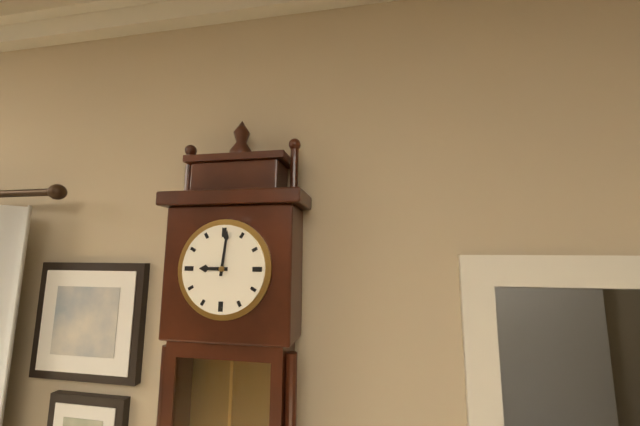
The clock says **9:01**
